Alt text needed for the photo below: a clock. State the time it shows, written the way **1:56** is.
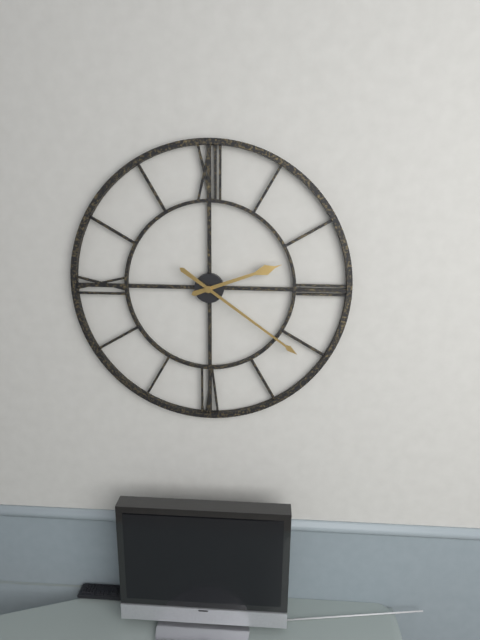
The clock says **2:21**
